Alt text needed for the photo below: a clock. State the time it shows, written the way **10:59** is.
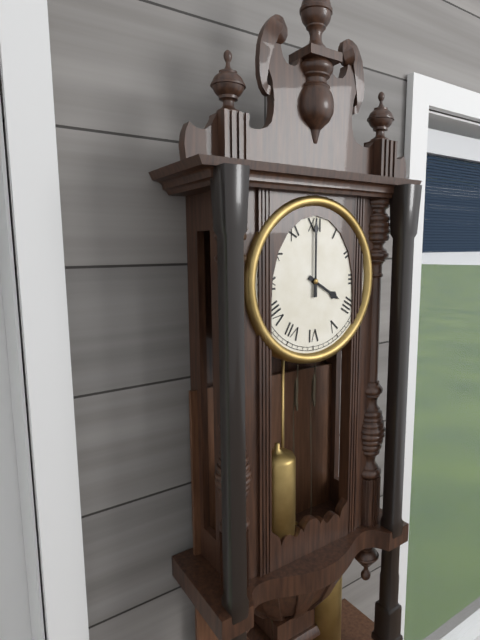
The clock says **4:00**
